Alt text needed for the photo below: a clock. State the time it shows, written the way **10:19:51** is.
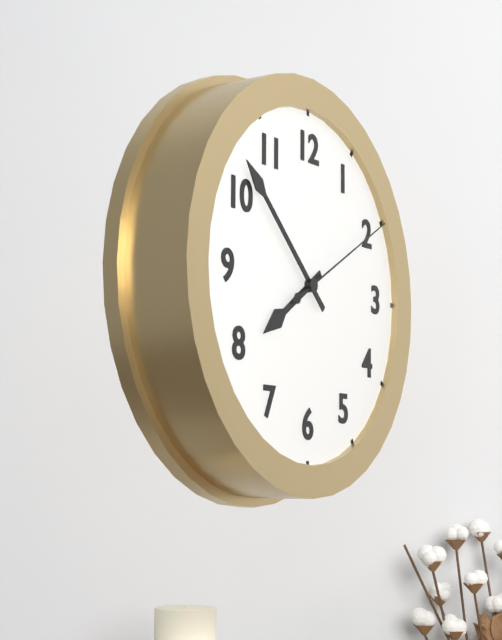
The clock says **7:52:10**
